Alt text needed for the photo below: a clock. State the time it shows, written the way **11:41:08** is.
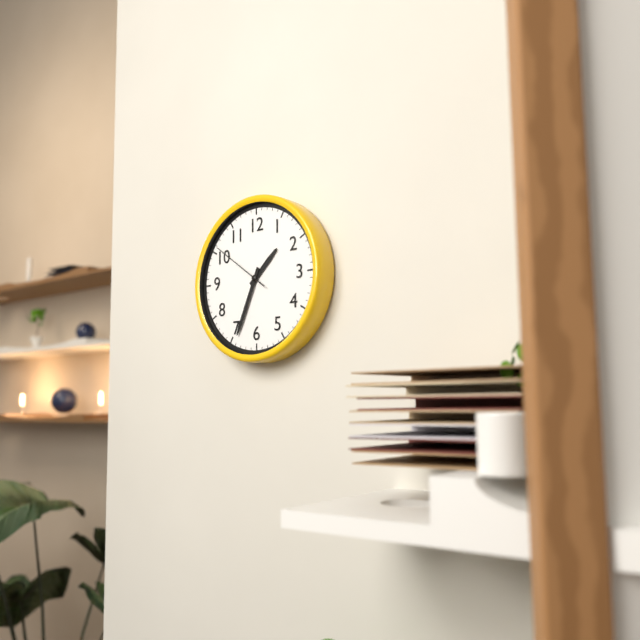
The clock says **1:34:51**
